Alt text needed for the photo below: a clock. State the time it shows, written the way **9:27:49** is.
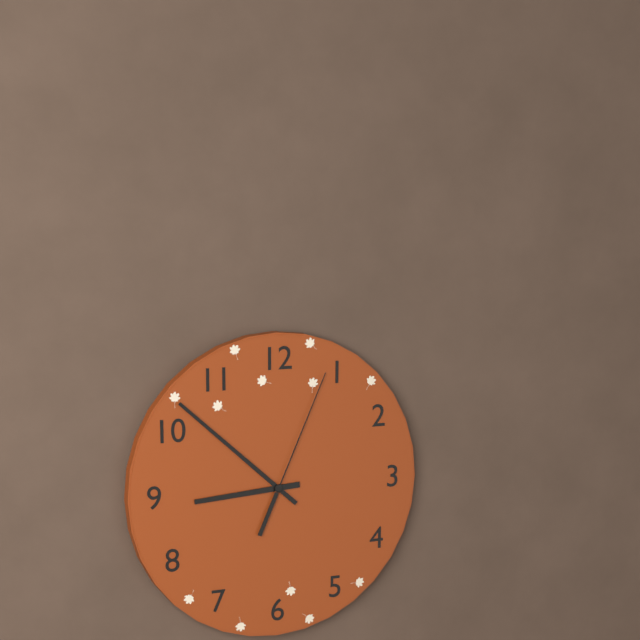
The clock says **8:52:04**
